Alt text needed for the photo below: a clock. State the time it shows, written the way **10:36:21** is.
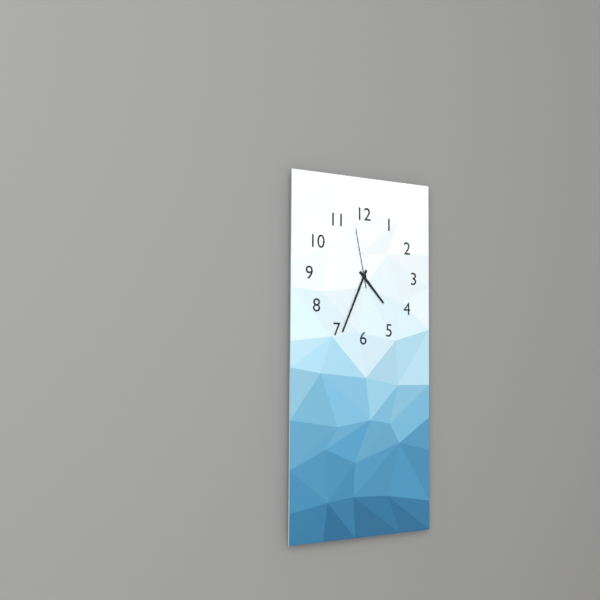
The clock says **4:34:58**
